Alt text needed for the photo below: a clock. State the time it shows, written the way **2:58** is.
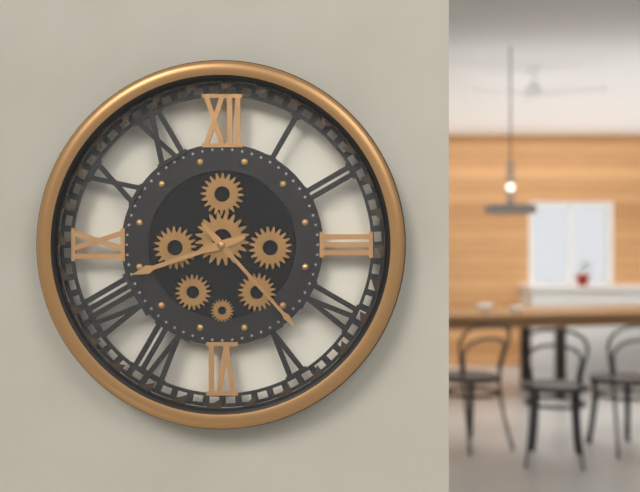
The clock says **8:23**
